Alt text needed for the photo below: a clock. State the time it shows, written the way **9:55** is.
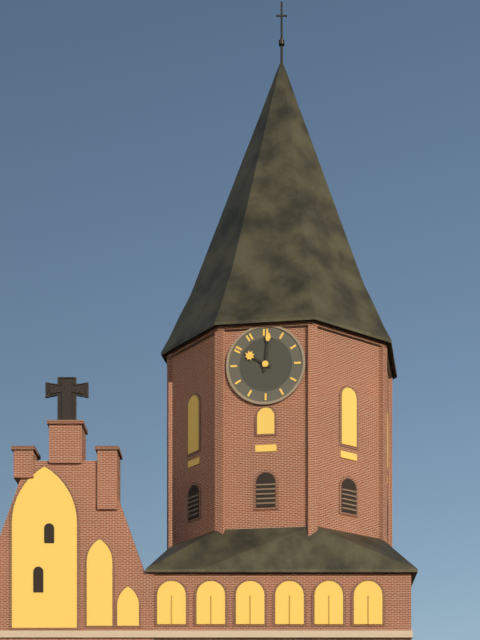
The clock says **10:01**
